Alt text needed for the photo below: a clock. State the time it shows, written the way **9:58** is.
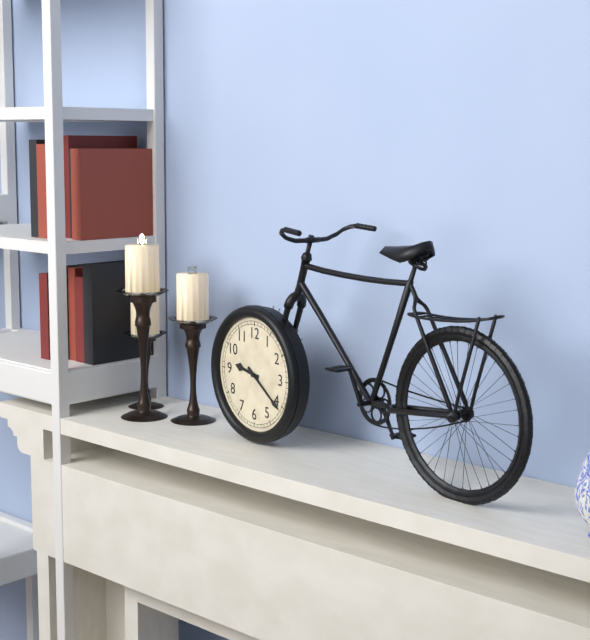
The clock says **9:21**
